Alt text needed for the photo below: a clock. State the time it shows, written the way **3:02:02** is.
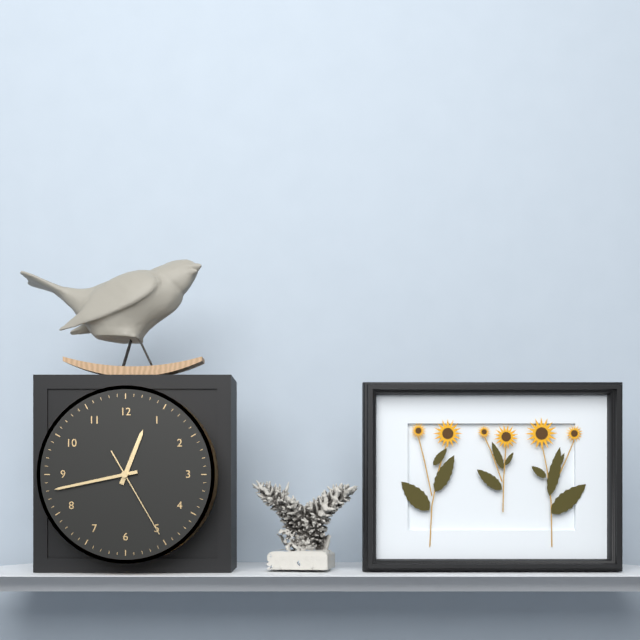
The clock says **12:43:25**
